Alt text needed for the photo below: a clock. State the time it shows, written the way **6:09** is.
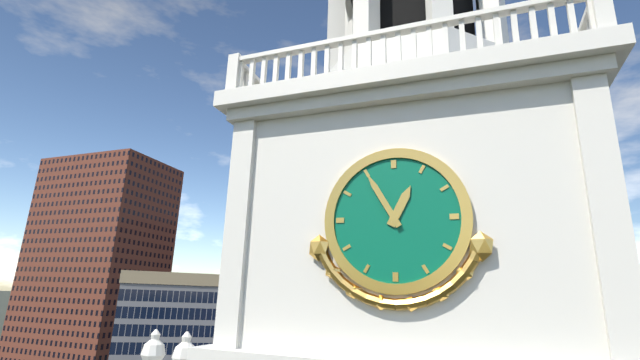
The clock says **12:55**
